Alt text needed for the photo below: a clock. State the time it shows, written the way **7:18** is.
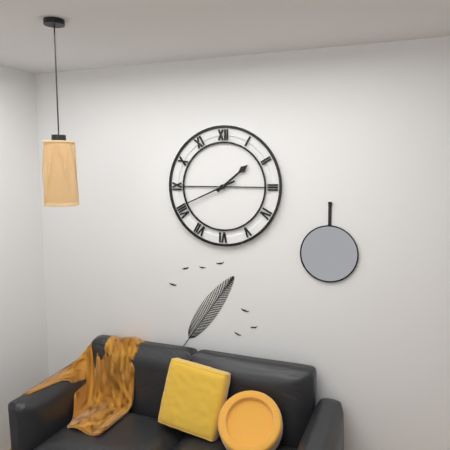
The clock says **1:41**
